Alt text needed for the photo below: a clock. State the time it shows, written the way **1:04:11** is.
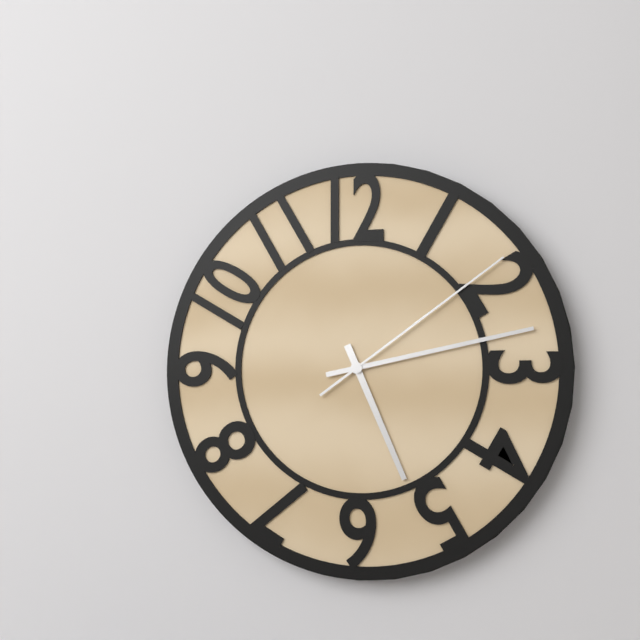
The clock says **5:13:09**
